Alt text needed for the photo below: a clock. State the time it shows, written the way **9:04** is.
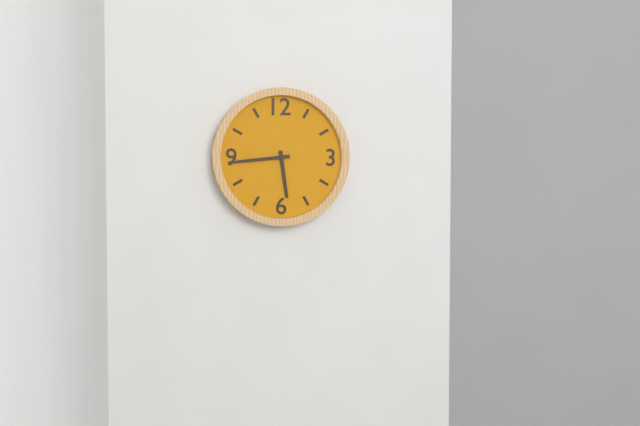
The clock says **5:44**
